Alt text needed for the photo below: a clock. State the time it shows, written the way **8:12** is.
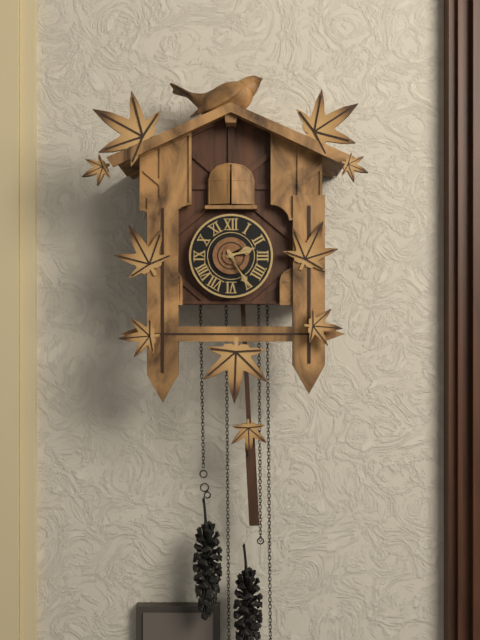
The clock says **2:25**
